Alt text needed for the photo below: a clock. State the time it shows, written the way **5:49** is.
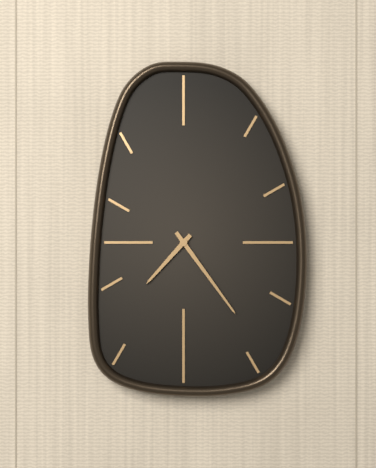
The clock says **7:24**
